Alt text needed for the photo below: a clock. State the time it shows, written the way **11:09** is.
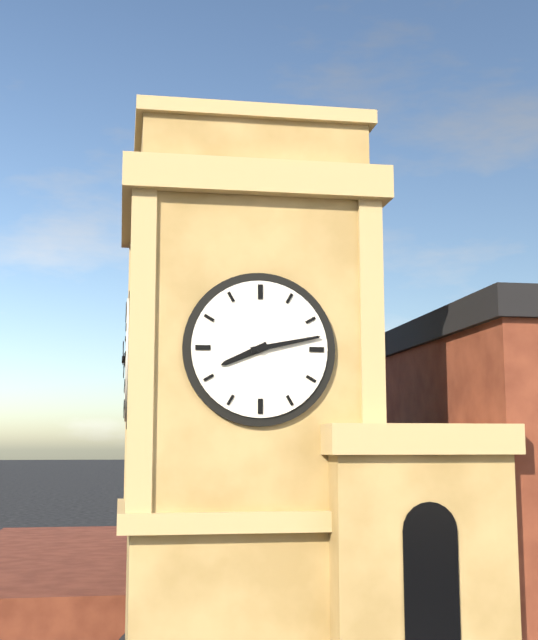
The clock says **8:13**
